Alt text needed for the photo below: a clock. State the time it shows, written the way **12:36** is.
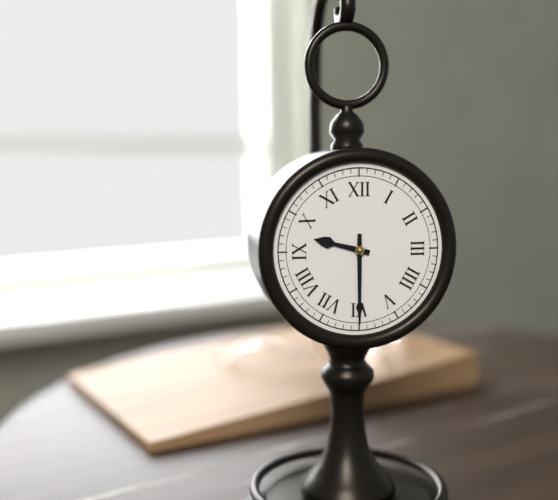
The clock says **9:30**
